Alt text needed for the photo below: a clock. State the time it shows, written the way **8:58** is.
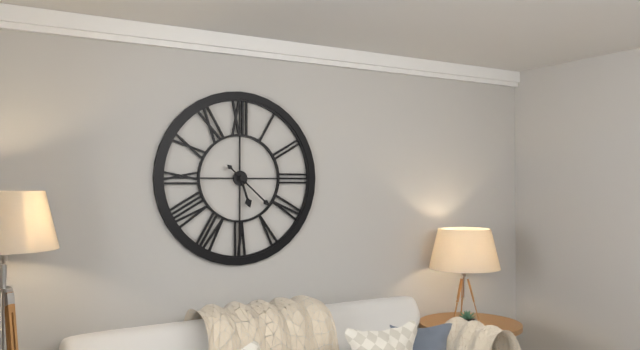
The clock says **5:22**
